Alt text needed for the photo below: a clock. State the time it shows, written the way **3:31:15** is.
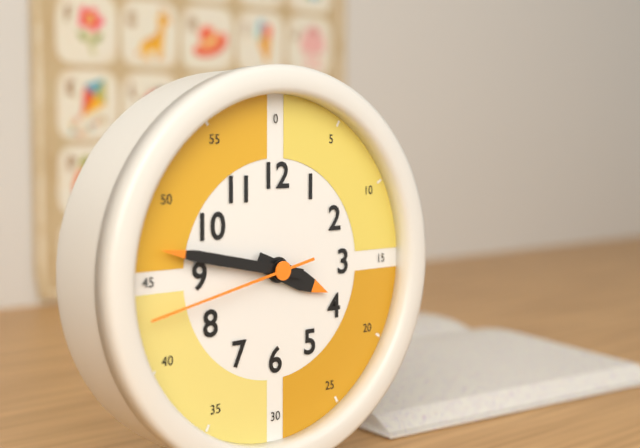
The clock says **3:47:43**
